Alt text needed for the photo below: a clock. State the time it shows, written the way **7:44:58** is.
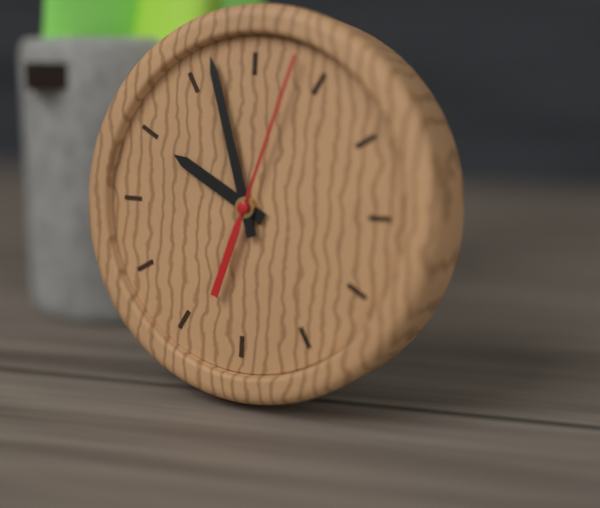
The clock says **9:57:03**
